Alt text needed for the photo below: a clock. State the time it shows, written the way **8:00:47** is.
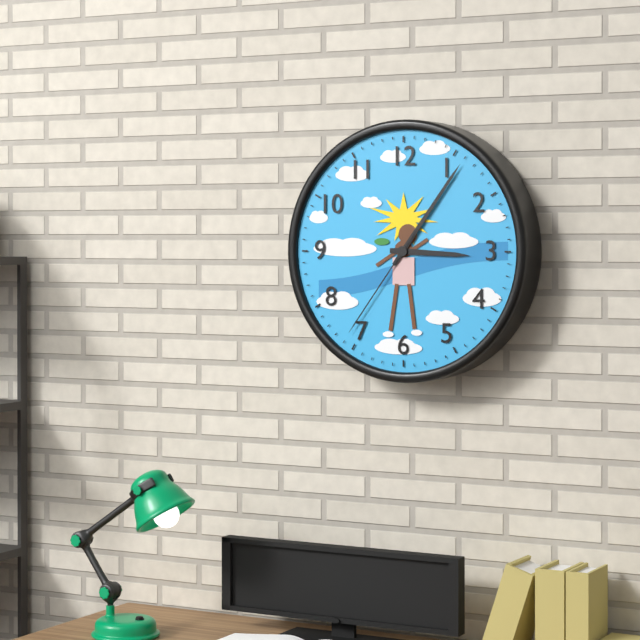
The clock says **3:06:36**
